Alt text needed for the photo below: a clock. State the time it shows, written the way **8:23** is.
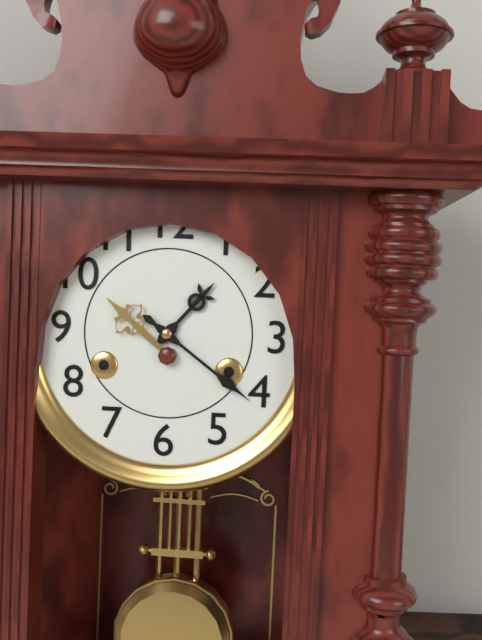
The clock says **1:21**
